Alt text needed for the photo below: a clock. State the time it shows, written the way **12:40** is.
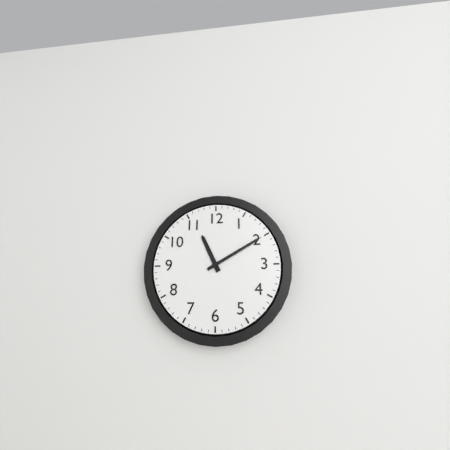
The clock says **11:10**
